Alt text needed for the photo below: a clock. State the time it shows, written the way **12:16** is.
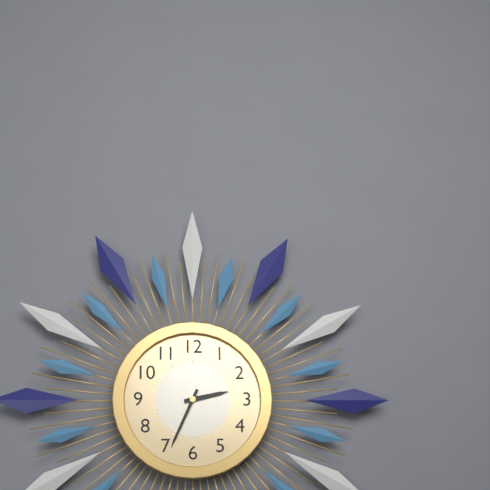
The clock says **2:34**
